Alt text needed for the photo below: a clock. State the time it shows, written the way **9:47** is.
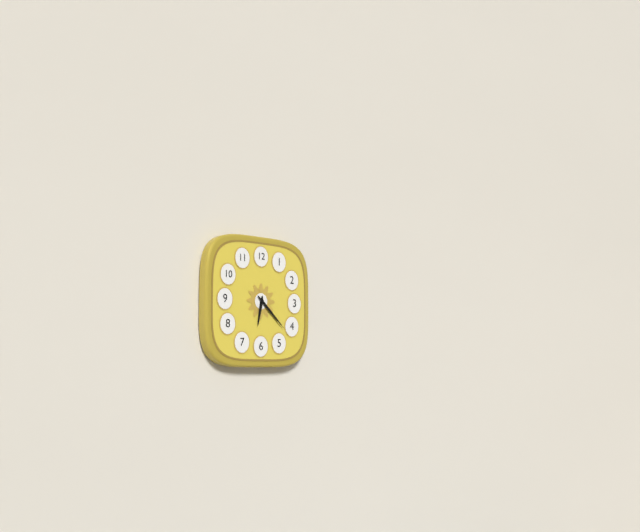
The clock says **6:22**
